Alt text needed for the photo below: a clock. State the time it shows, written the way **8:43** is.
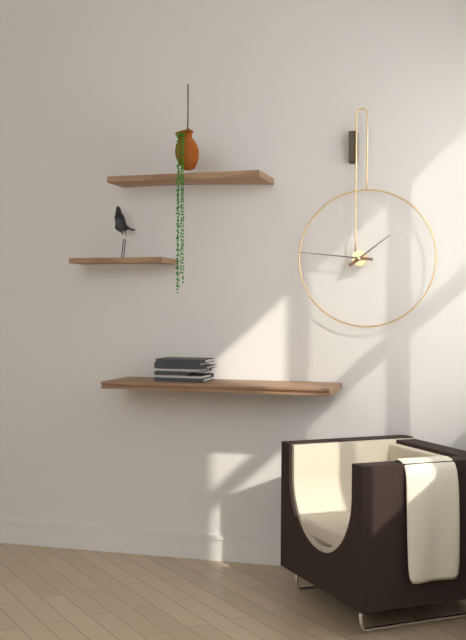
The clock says **1:46**
